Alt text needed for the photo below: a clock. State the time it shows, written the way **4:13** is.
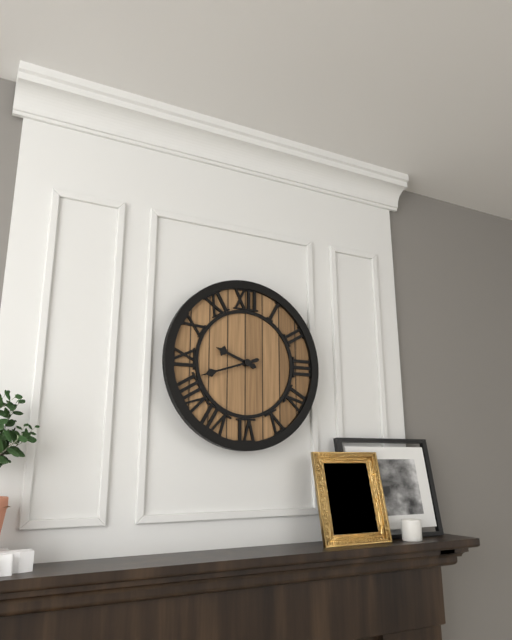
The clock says **9:42**
